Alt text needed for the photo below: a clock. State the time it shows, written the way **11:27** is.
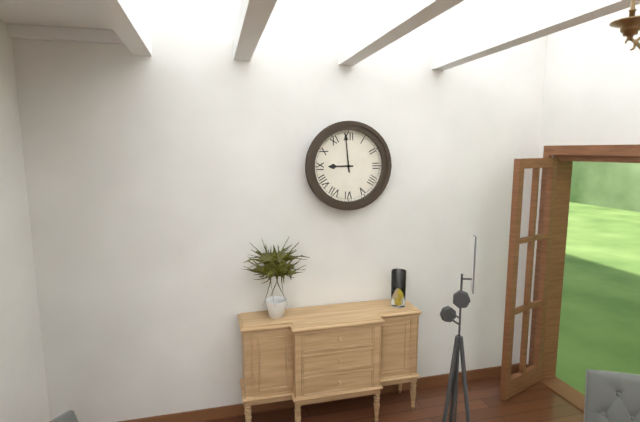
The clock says **8:59**
